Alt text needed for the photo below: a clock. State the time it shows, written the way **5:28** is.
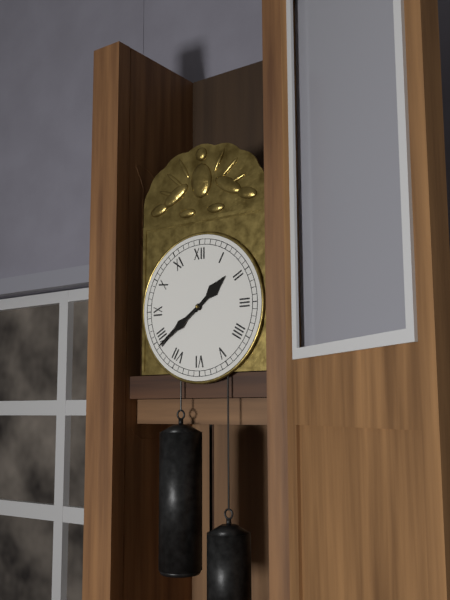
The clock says **1:39**
